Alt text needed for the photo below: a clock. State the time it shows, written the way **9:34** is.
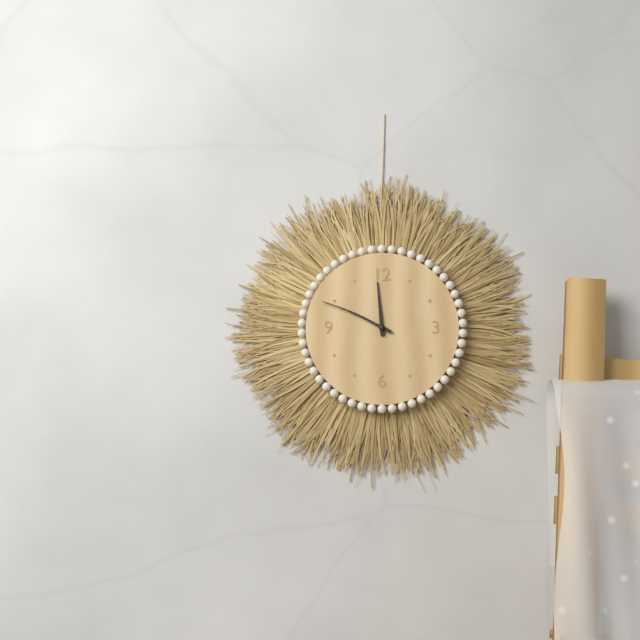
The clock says **11:49**
